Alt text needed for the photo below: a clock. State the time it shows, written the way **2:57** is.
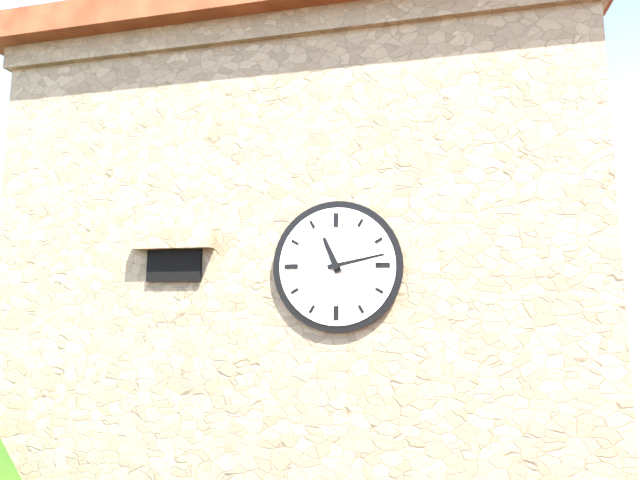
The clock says **11:13**
